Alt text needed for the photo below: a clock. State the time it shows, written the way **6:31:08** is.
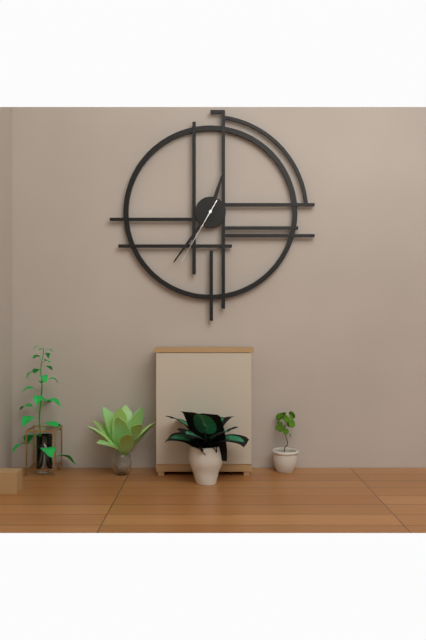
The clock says **12:36:35**
